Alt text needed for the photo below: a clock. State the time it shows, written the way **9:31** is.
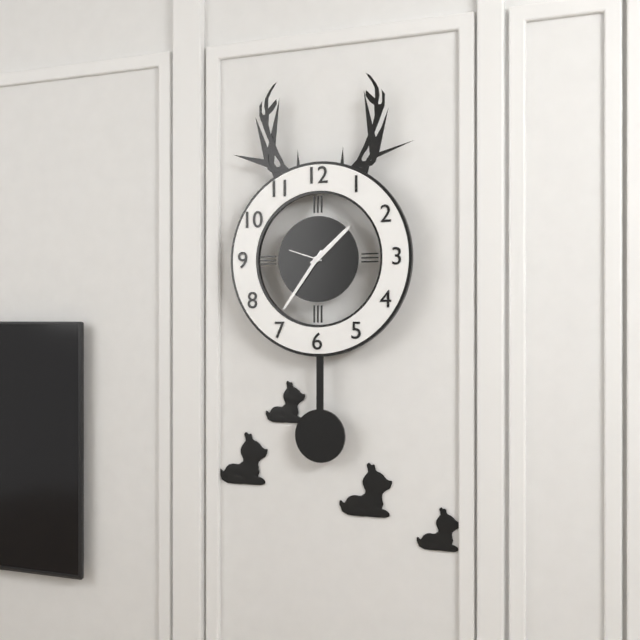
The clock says **1:36**
